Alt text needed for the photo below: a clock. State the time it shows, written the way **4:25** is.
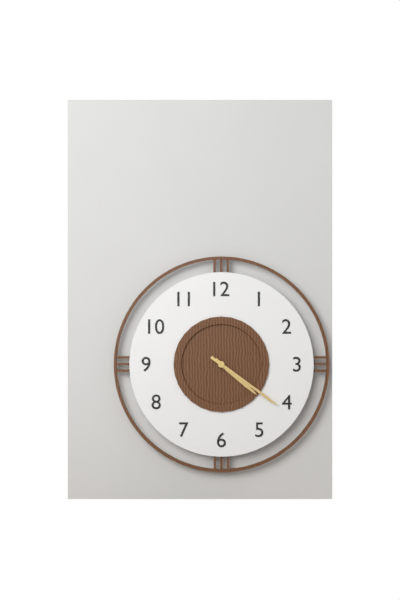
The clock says **4:21**
